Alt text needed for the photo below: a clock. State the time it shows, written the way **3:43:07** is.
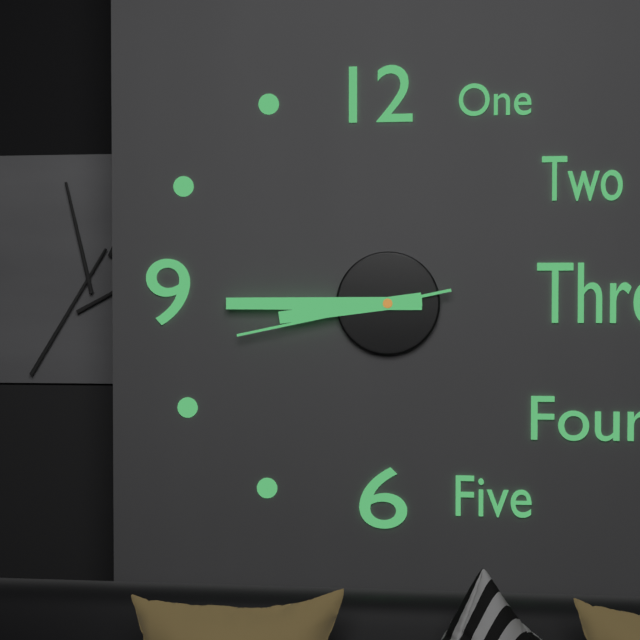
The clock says **8:45:43**
